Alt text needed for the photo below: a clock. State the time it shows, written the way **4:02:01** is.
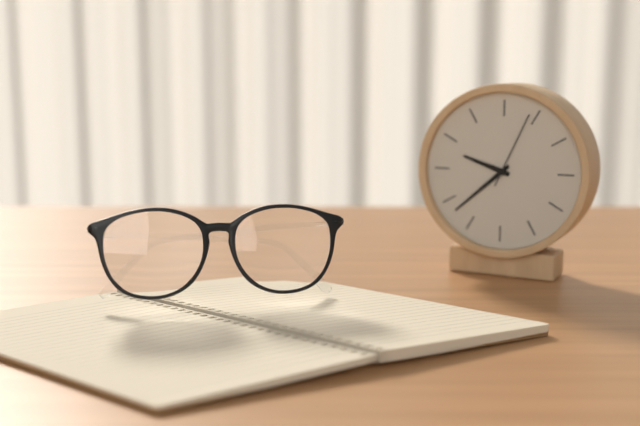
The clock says **9:38:04**
